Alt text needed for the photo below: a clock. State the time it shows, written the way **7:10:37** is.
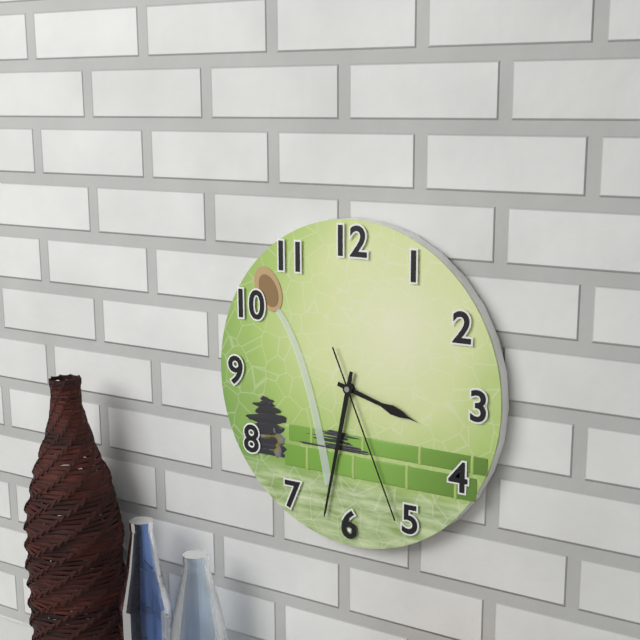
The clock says **3:32:26**
